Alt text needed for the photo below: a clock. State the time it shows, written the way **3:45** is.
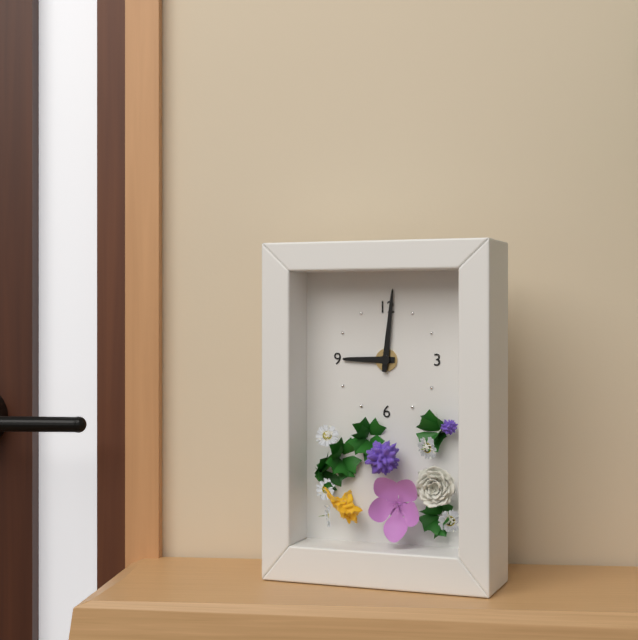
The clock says **9:01**
